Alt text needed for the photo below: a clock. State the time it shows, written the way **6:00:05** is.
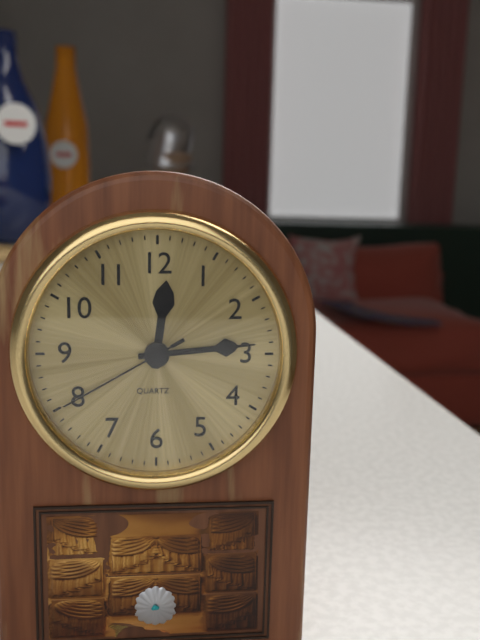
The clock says **12:14:40**
